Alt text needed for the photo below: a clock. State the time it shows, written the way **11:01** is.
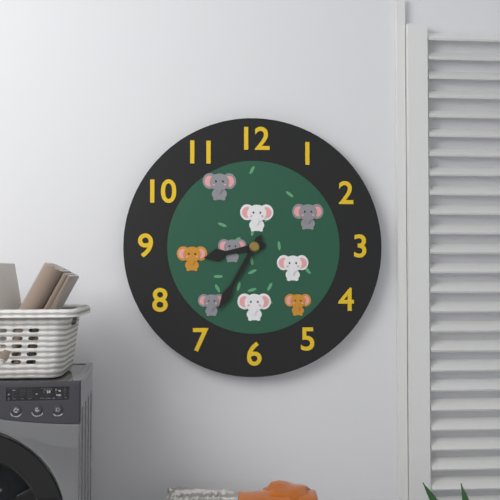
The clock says **8:35**
